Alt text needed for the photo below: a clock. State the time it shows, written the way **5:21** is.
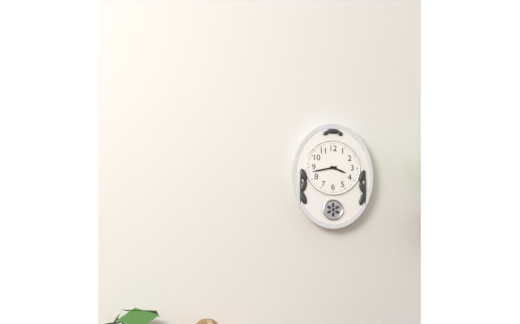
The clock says **3:43**
